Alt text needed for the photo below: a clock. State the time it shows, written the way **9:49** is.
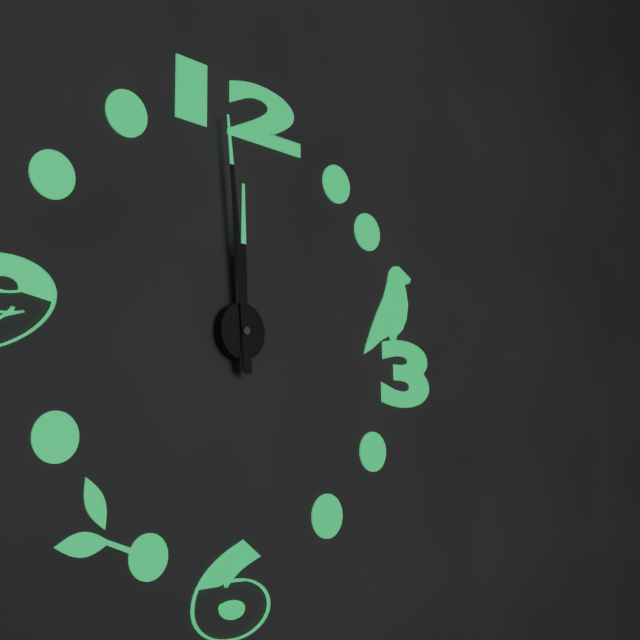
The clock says **11:59**
